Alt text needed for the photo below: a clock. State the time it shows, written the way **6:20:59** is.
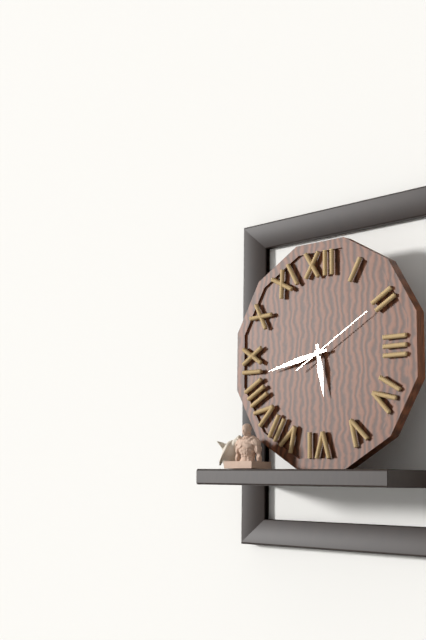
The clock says **5:43:10**
